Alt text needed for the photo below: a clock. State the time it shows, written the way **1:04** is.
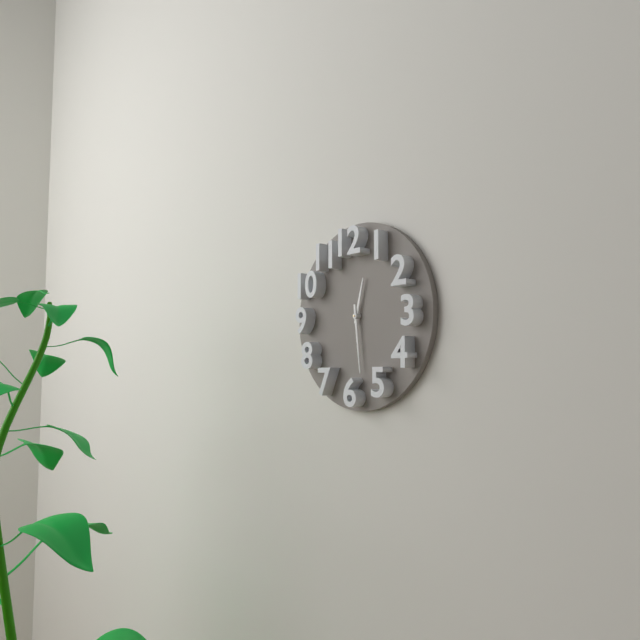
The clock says **12:29**
